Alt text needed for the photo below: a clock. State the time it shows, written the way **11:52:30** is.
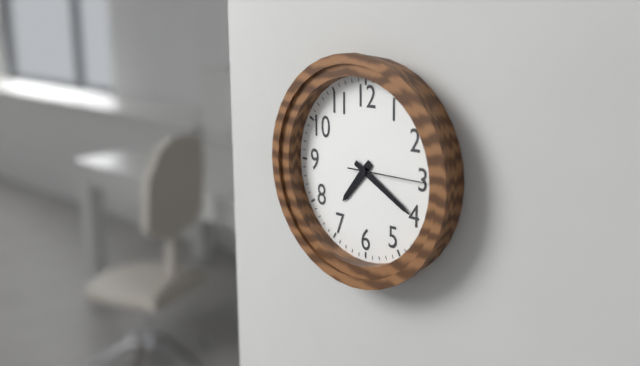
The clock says **7:20:15**
